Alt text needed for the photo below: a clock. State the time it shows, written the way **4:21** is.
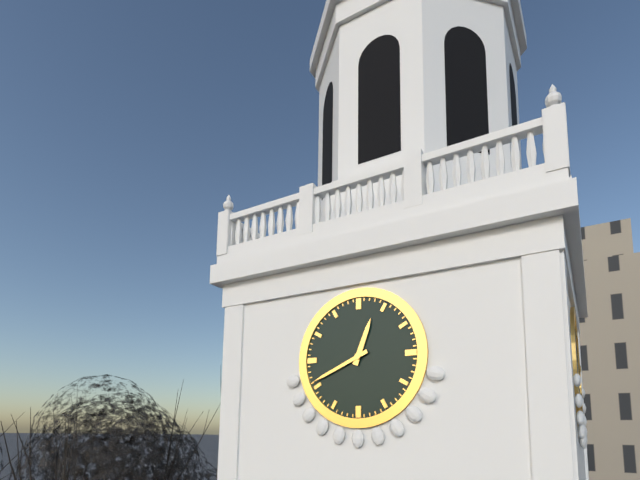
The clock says **12:41**
